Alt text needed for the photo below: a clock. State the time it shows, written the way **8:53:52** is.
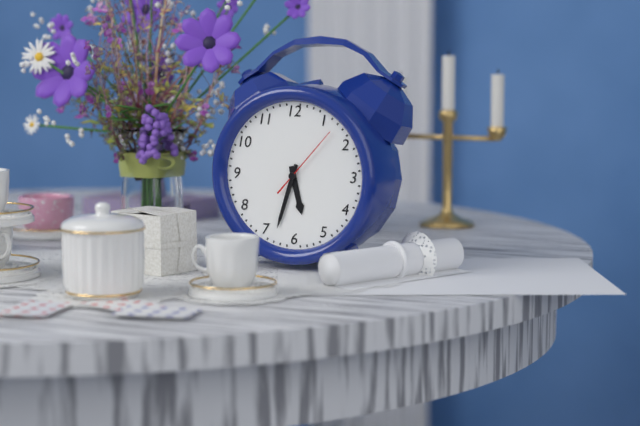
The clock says **5:33:07**
